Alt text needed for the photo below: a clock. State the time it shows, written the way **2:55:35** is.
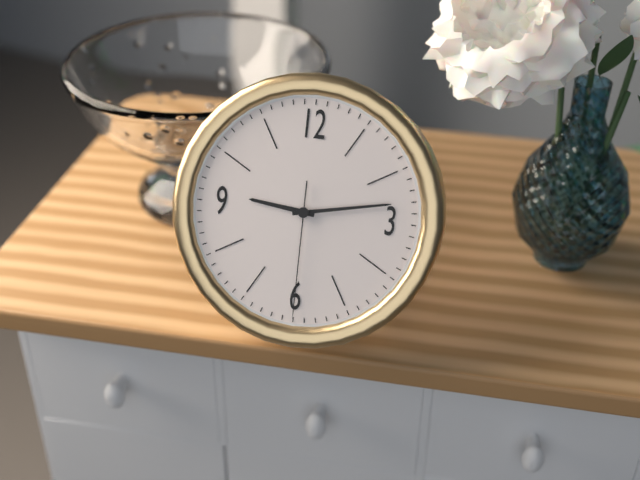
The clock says **9:13:30**
